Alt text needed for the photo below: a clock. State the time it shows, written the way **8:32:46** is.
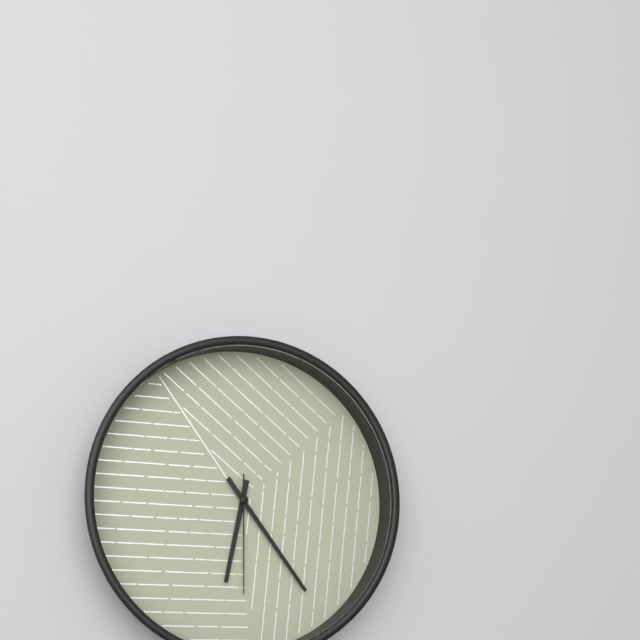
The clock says **6:24:30**
